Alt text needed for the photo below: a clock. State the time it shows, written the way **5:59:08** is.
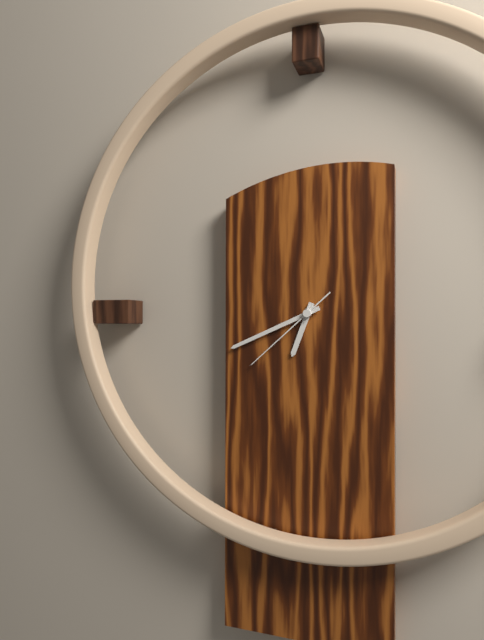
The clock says **6:41:38**
